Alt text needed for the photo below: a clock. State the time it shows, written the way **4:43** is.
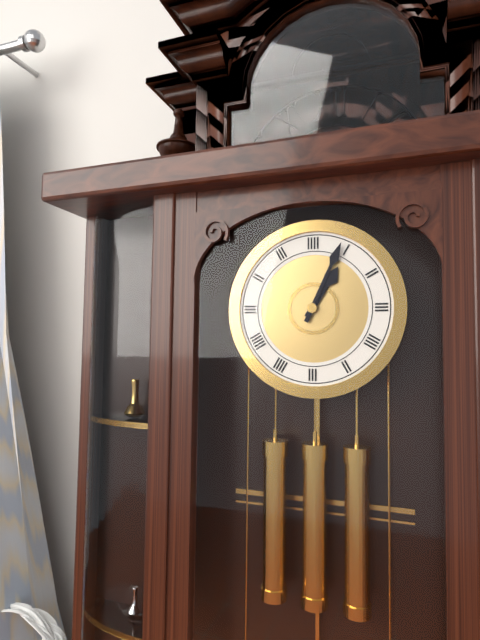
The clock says **1:04**
